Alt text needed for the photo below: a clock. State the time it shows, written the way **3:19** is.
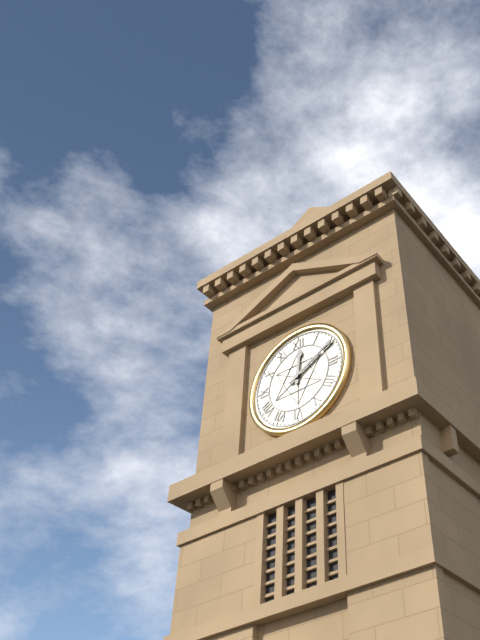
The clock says **12:10**
